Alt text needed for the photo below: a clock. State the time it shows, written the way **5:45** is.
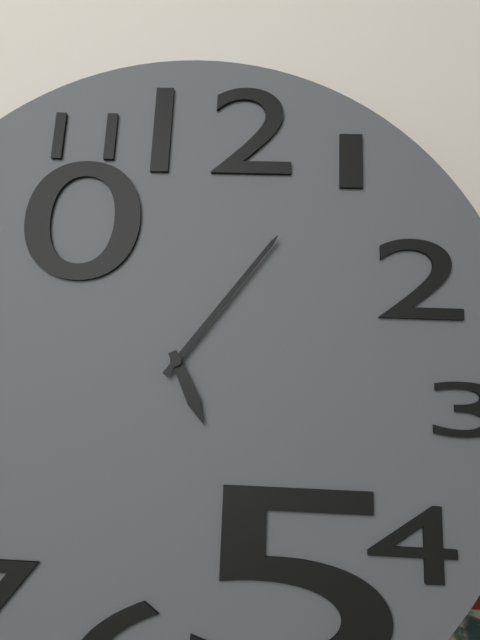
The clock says **5:06**
